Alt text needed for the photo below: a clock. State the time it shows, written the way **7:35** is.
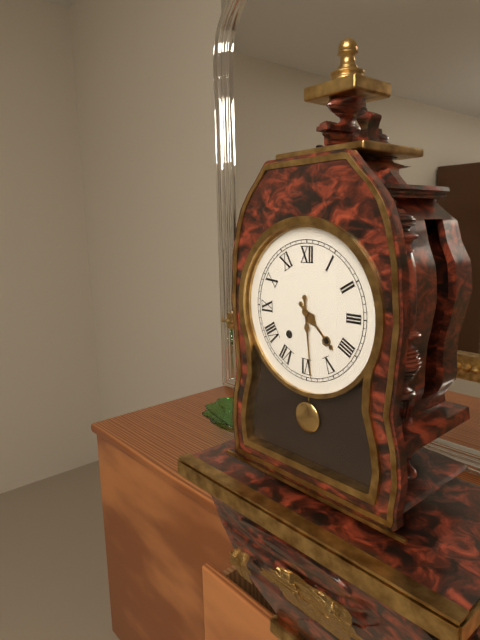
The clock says **4:29**
